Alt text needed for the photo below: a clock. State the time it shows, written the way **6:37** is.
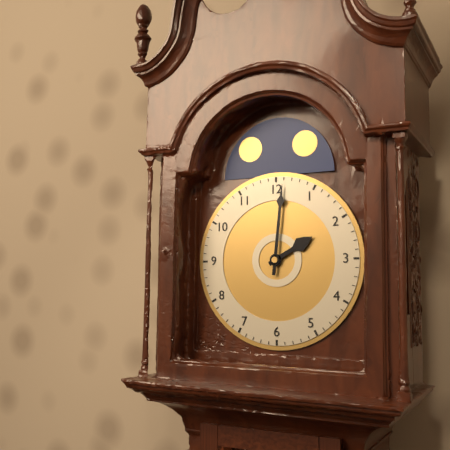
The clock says **2:01**
